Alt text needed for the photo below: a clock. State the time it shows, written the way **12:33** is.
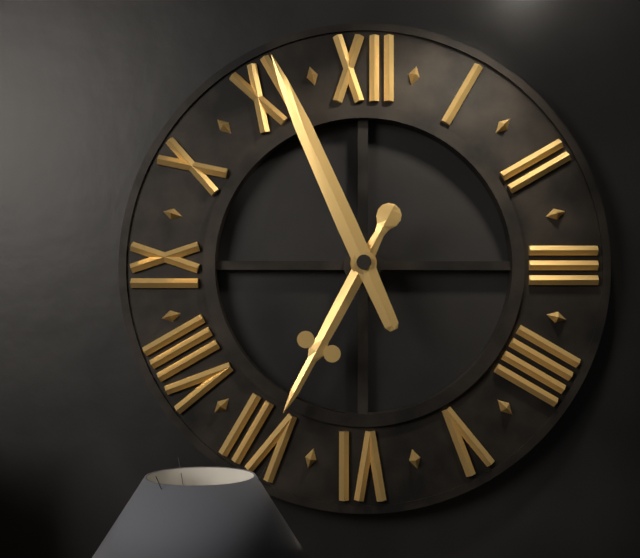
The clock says **6:56**
